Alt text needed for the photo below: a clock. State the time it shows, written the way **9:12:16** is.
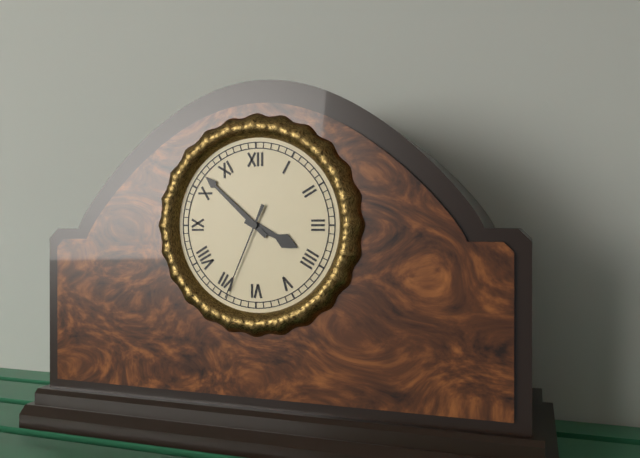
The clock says **3:52:34**
